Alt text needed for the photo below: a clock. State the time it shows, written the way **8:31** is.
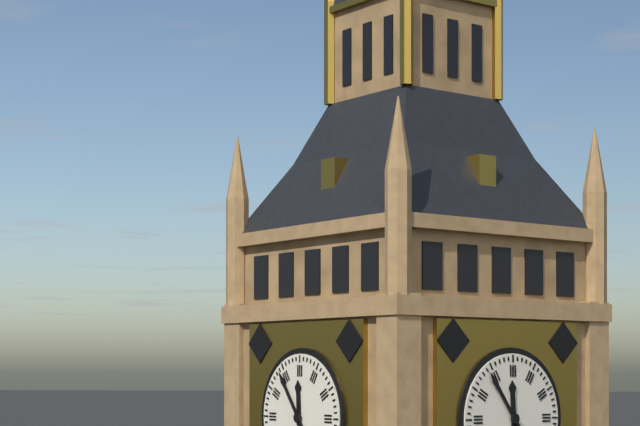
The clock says **11:54**
